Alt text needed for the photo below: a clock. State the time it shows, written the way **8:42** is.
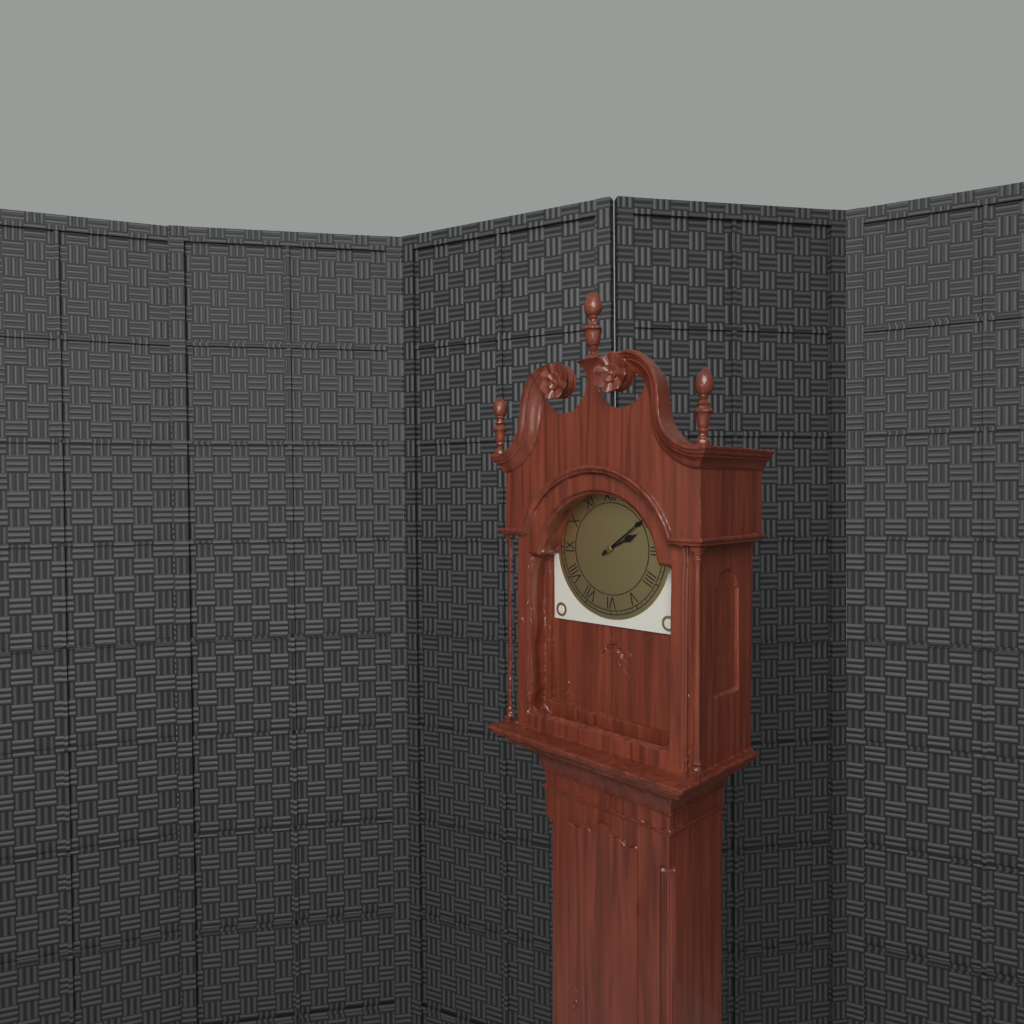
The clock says **2:09**
